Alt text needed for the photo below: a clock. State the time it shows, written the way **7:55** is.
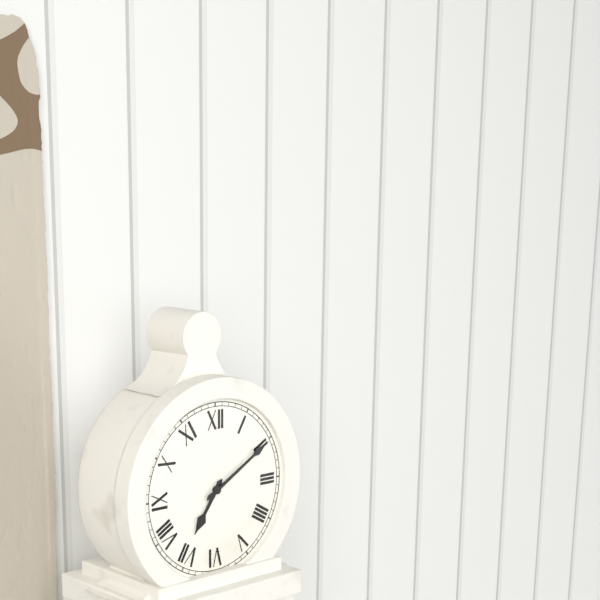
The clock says **7:10**
